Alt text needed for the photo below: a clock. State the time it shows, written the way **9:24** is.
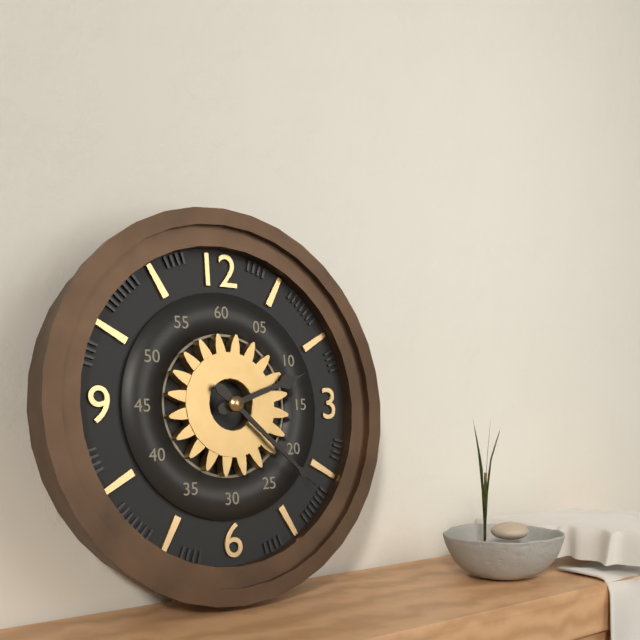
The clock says **2:22**
